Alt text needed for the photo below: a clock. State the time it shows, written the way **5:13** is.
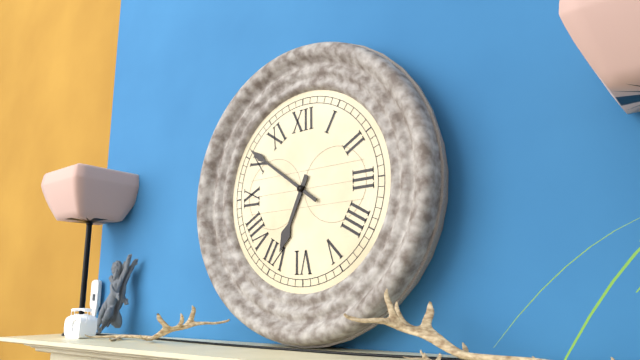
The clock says **6:51**
